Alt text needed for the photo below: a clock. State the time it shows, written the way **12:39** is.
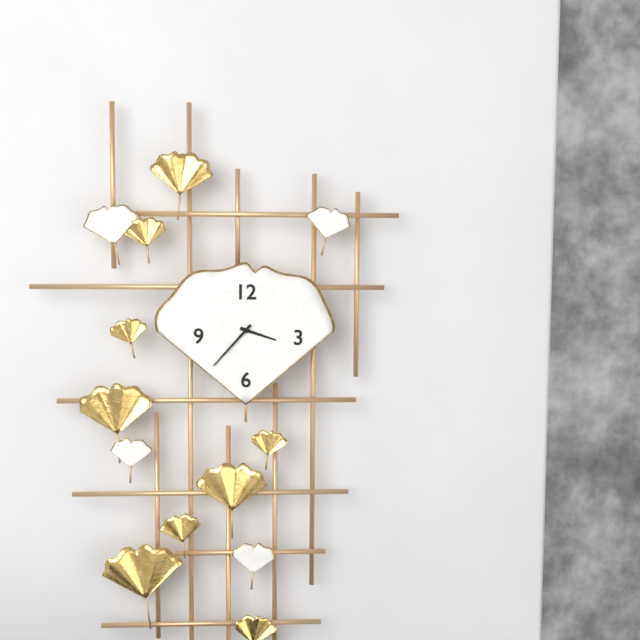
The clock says **3:37**
